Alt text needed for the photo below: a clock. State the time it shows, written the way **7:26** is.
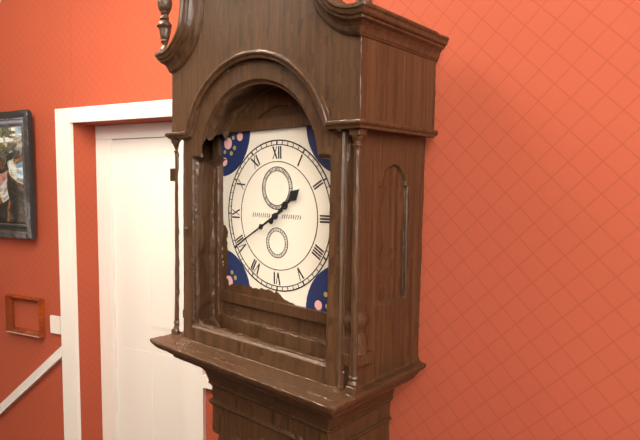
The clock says **1:40**
